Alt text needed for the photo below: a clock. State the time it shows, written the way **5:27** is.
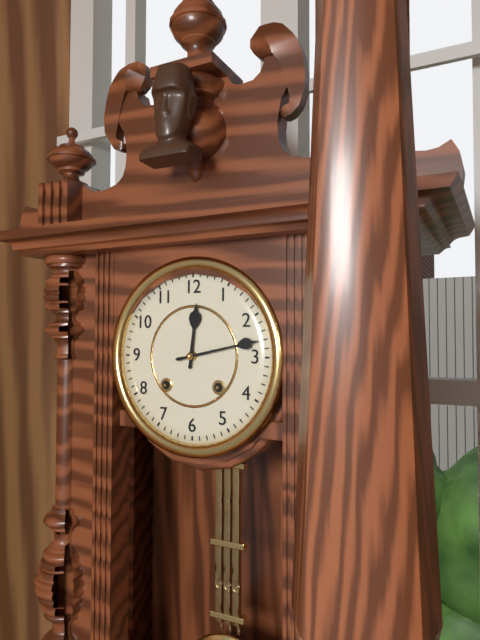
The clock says **12:13**
